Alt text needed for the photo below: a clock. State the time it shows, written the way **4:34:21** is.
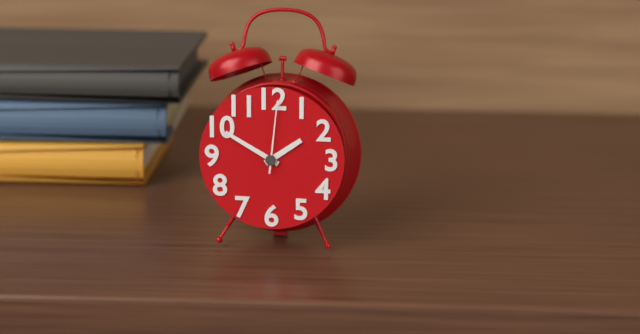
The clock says **1:50:01**
